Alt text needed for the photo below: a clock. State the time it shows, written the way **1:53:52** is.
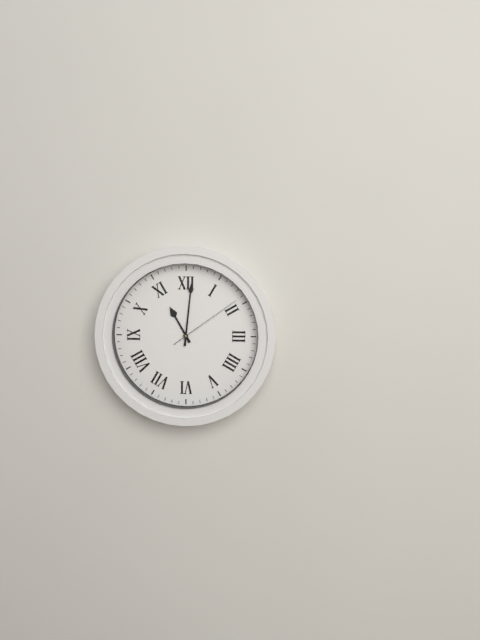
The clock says **11:01:09**
